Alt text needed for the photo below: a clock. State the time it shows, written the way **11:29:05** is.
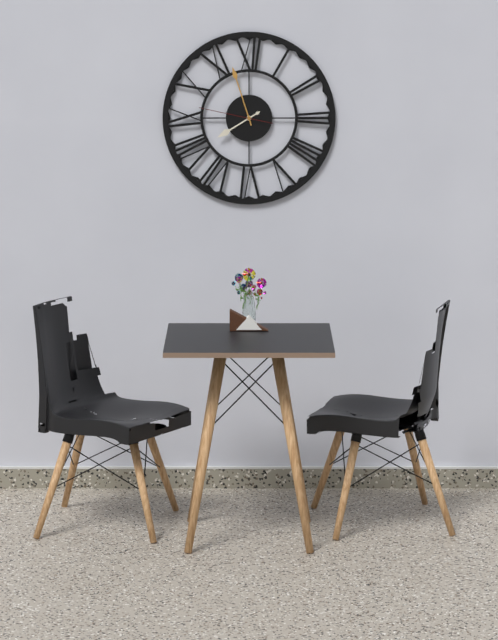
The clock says **7:57:47**
